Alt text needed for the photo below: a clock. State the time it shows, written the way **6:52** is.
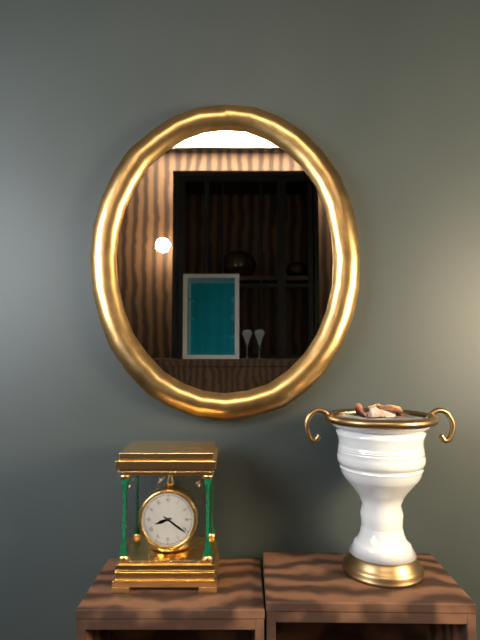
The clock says **8:21**
